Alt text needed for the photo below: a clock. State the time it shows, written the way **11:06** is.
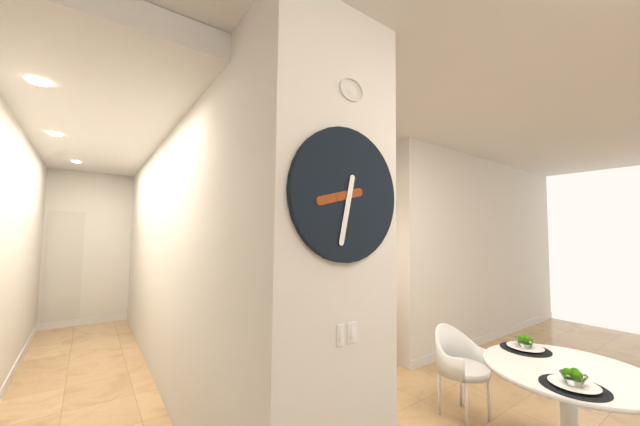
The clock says **8:32**
